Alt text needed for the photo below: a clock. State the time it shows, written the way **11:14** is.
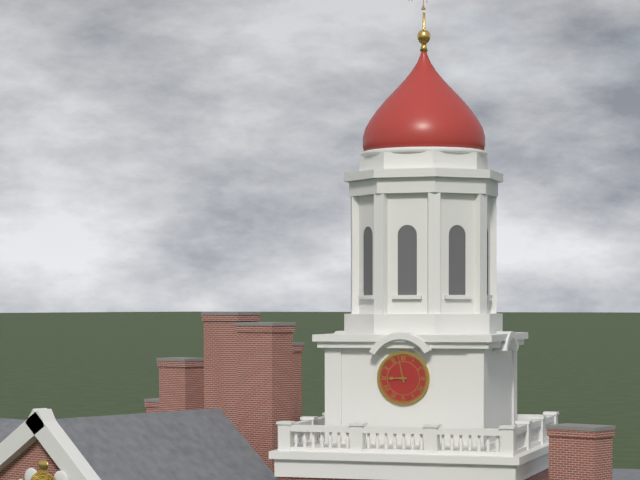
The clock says **8:58**
